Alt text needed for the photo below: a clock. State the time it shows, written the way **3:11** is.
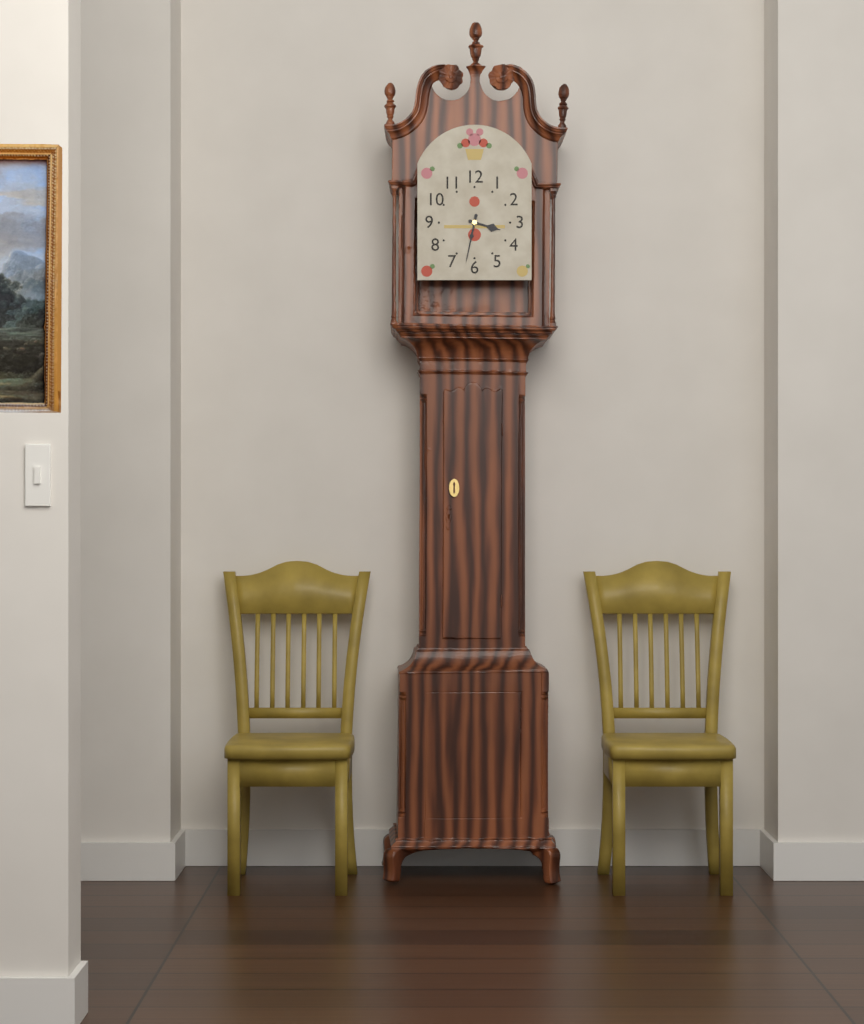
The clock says **3:32**
